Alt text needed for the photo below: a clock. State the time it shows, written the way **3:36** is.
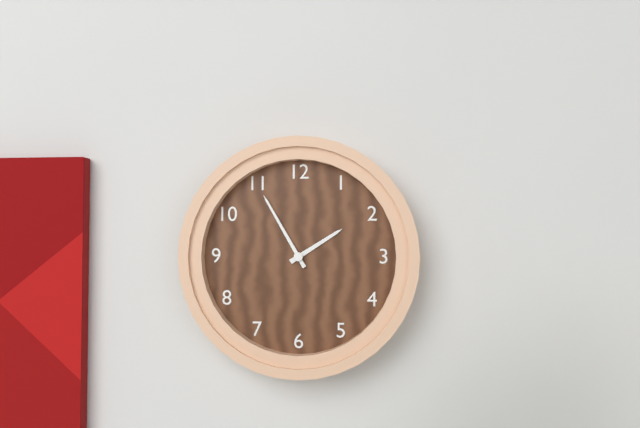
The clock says **1:55**
